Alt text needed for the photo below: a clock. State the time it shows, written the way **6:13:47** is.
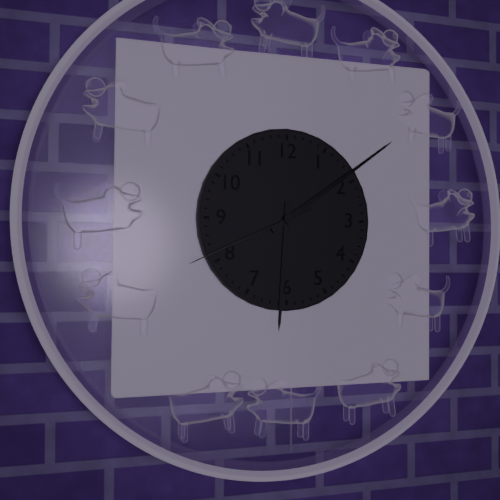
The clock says **6:09:41**
